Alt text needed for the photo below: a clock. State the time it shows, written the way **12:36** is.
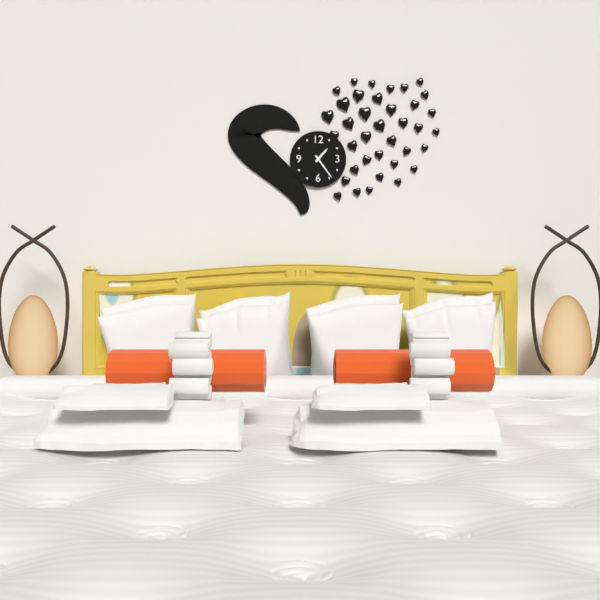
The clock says **1:24**
